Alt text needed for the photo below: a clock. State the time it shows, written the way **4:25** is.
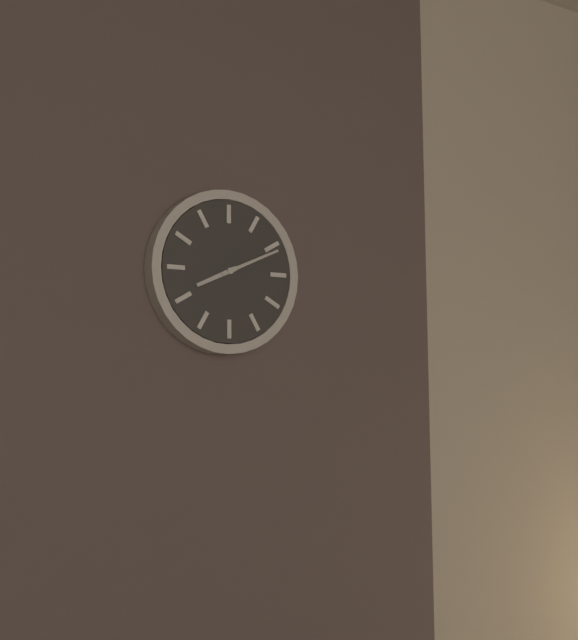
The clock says **8:11**
